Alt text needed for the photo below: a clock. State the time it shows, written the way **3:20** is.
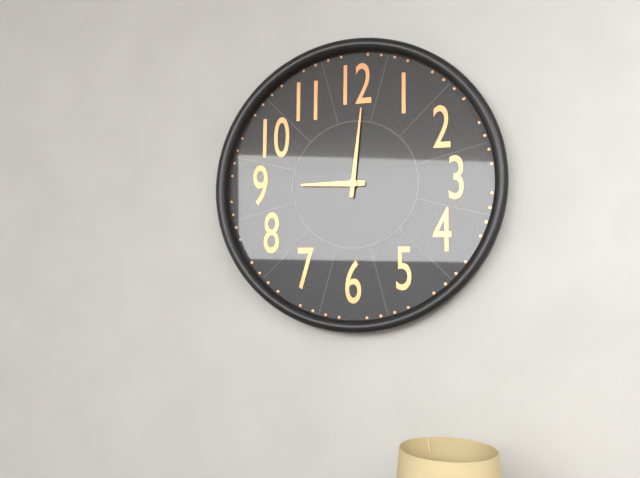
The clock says **9:01**
